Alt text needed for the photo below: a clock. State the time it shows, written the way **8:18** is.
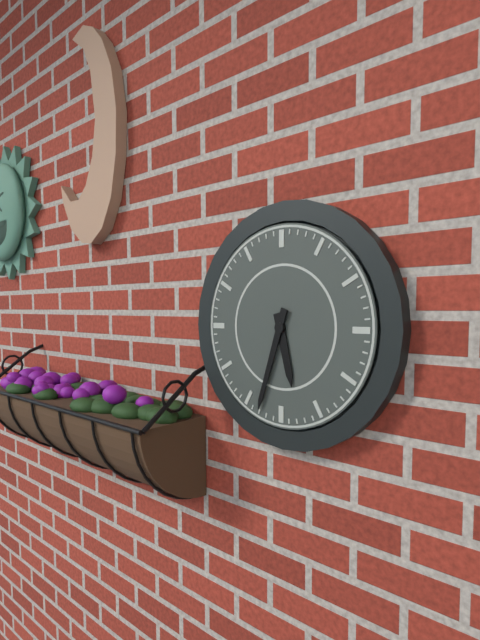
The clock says **5:33**
